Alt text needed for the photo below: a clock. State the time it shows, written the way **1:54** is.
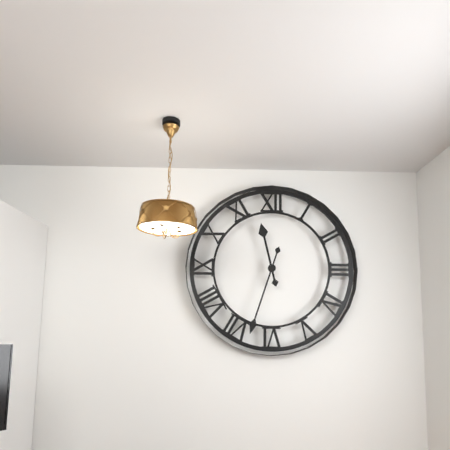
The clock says **11:33**
